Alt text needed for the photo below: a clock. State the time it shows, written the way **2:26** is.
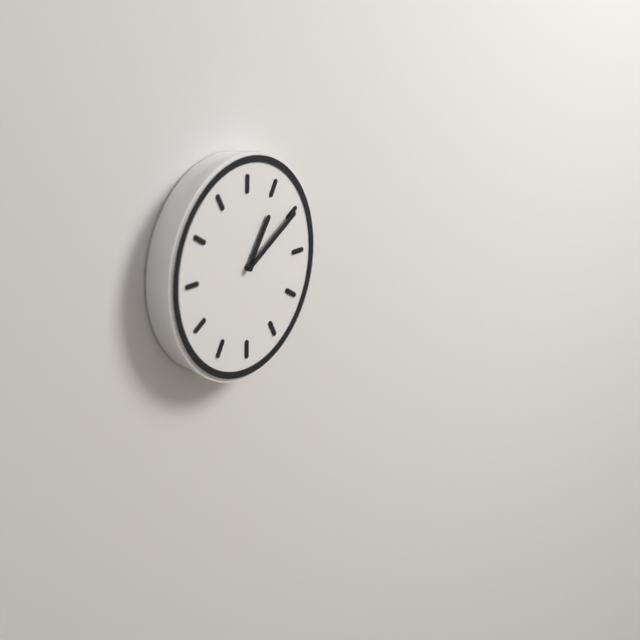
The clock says **1:10**
